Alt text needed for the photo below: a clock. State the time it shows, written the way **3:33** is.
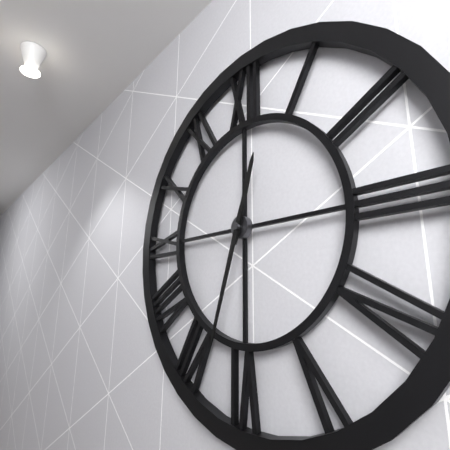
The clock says **12:33**
